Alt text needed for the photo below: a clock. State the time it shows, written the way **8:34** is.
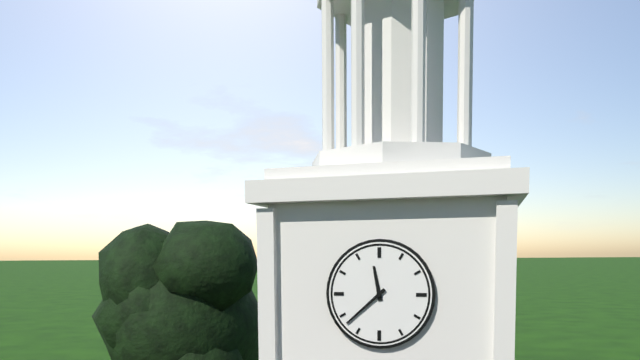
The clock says **11:38**
